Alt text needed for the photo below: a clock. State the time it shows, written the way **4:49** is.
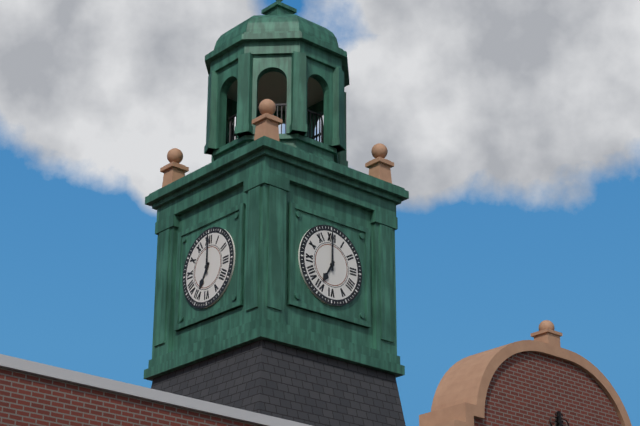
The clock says **7:00**
